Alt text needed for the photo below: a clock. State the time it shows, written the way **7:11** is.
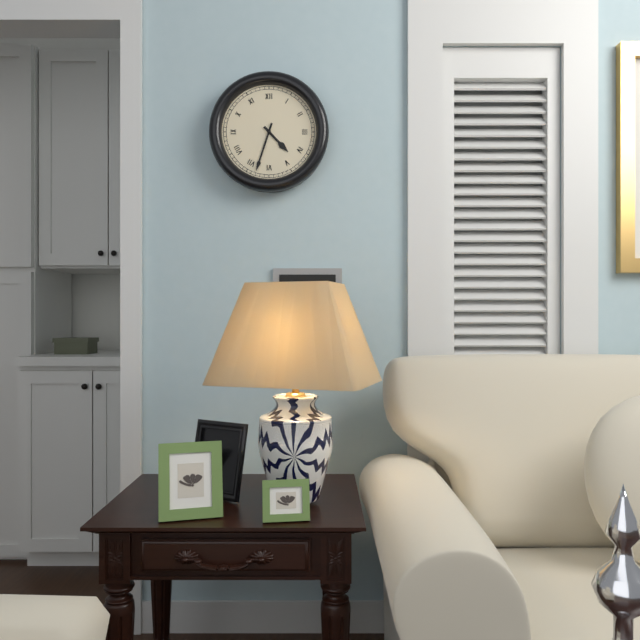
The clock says **4:33**
